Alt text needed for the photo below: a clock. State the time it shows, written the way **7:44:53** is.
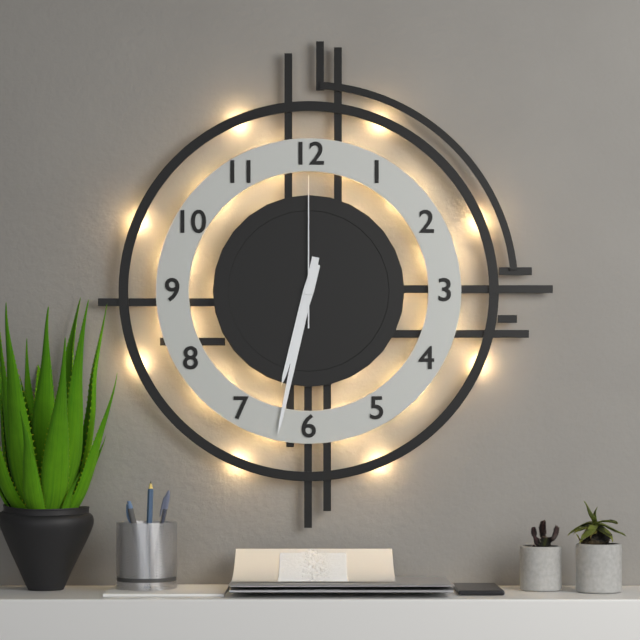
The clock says **6:32:00**
